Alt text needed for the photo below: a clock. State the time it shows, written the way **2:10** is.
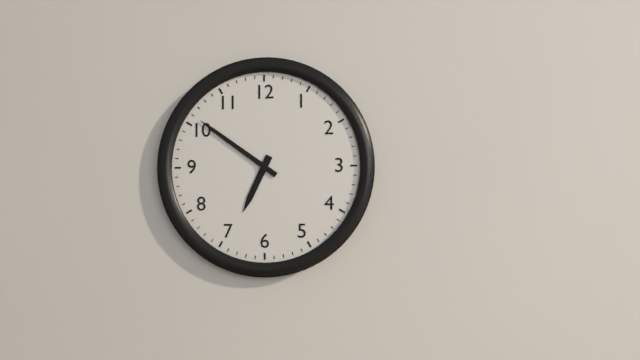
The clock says **6:51**
